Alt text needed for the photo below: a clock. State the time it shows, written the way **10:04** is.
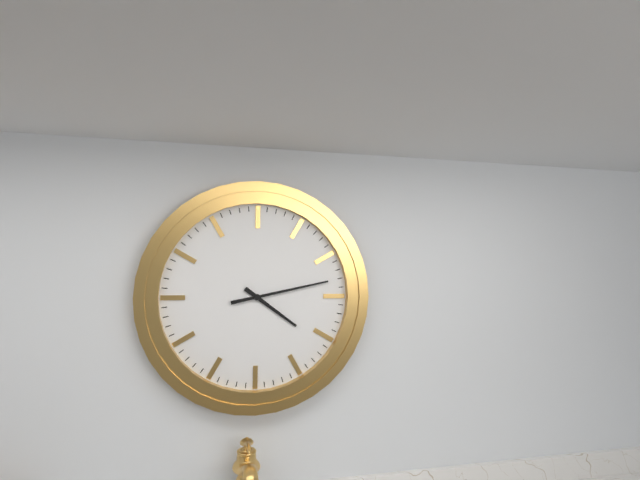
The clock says **4:13**
